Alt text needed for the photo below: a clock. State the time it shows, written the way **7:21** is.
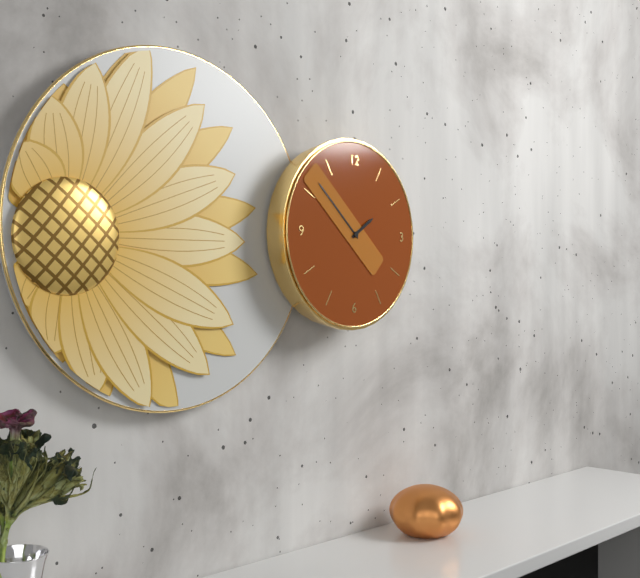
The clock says **1:52**
